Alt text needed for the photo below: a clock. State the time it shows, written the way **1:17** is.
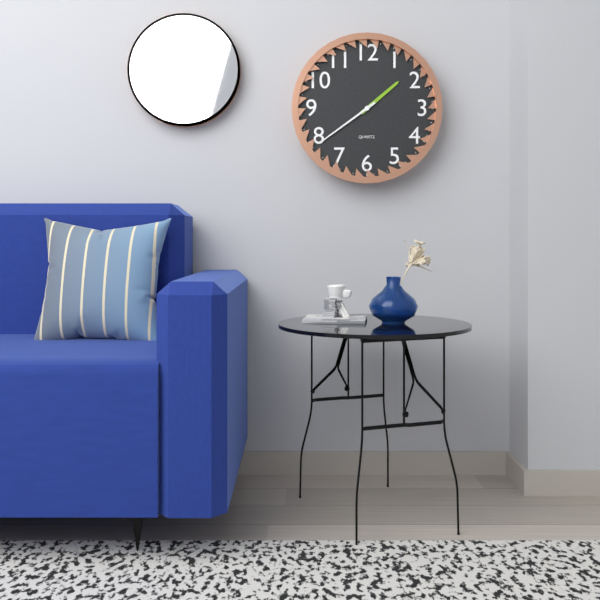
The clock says **1:39**
